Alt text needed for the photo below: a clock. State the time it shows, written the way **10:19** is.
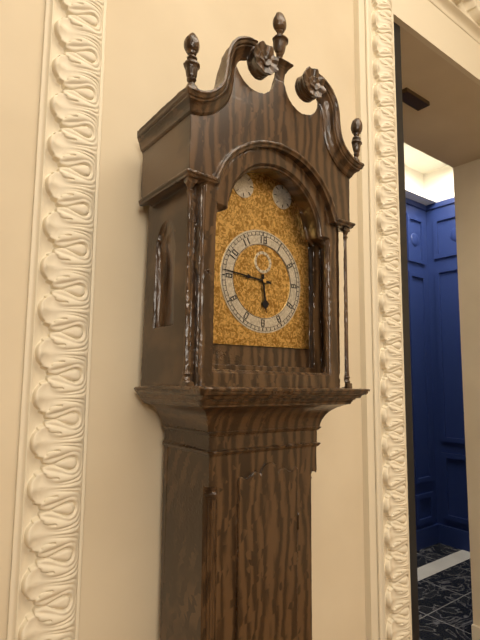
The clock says **5:46**
